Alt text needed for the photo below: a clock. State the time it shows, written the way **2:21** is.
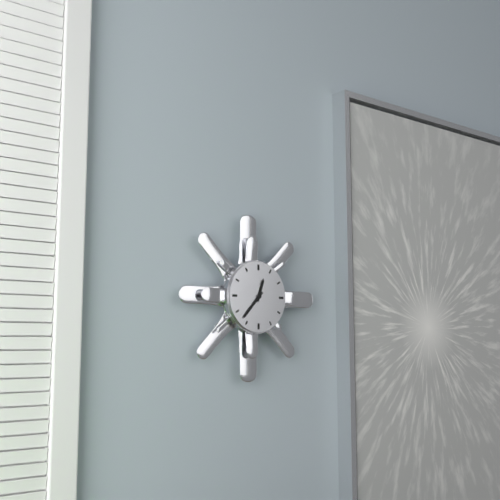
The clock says **12:37**
